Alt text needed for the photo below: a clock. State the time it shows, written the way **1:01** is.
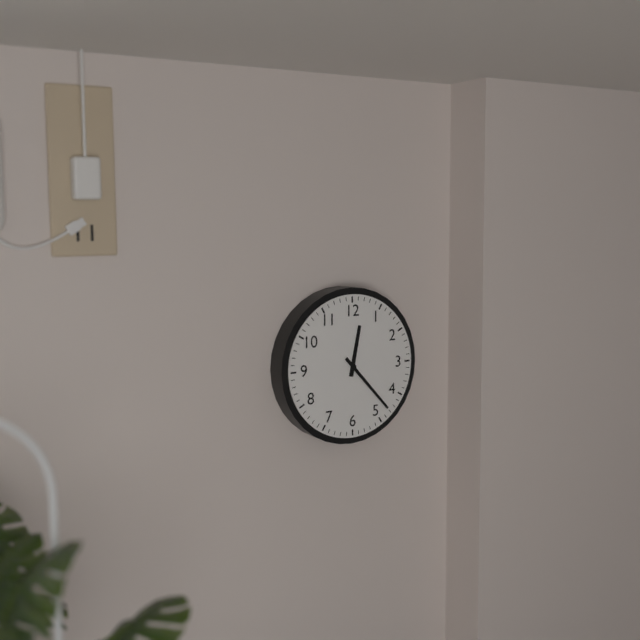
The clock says **12:23**
